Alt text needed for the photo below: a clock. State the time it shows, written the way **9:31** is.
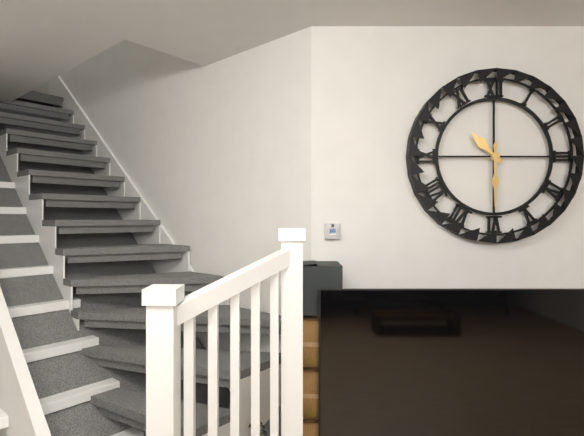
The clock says **10:30**
